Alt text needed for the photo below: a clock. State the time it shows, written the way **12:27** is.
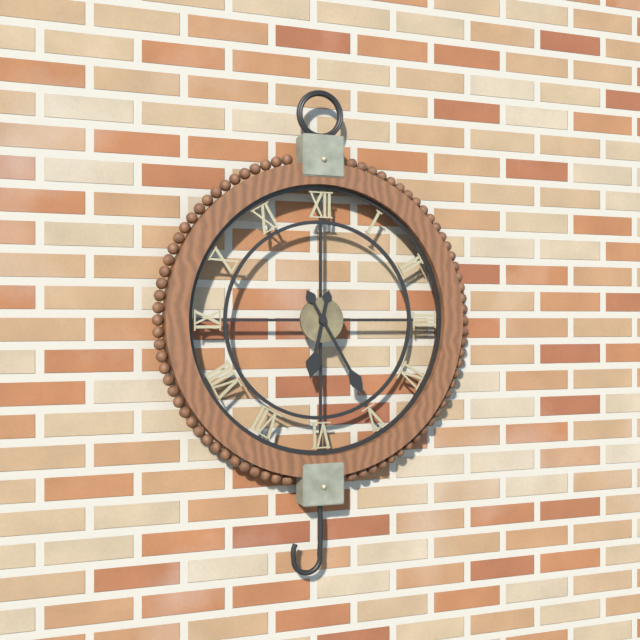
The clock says **6:25**
